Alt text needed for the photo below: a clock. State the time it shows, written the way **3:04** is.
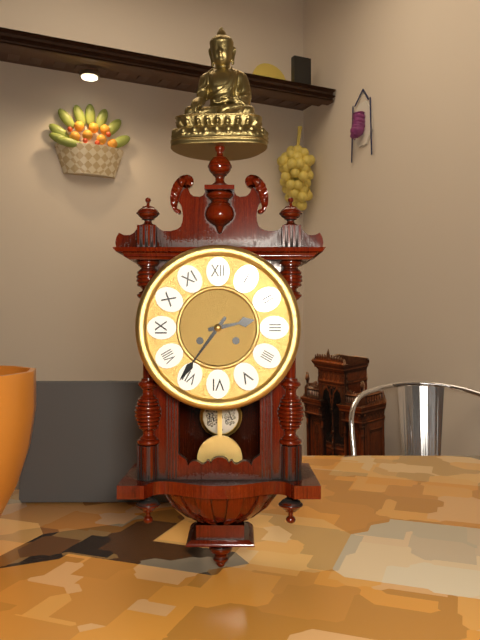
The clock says **2:36**
